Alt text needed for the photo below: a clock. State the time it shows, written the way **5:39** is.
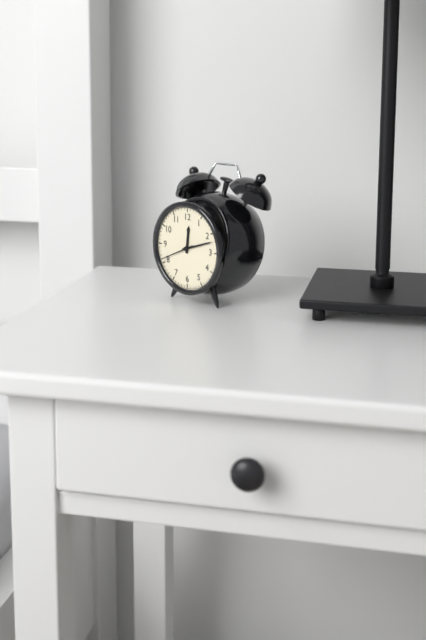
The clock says **12:12**
